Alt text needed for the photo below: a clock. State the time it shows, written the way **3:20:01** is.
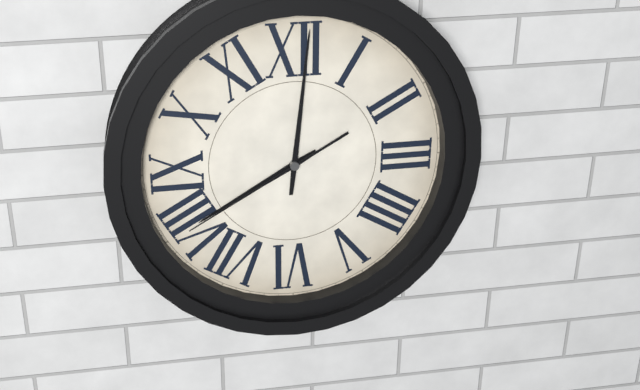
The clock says **8:01:40**
